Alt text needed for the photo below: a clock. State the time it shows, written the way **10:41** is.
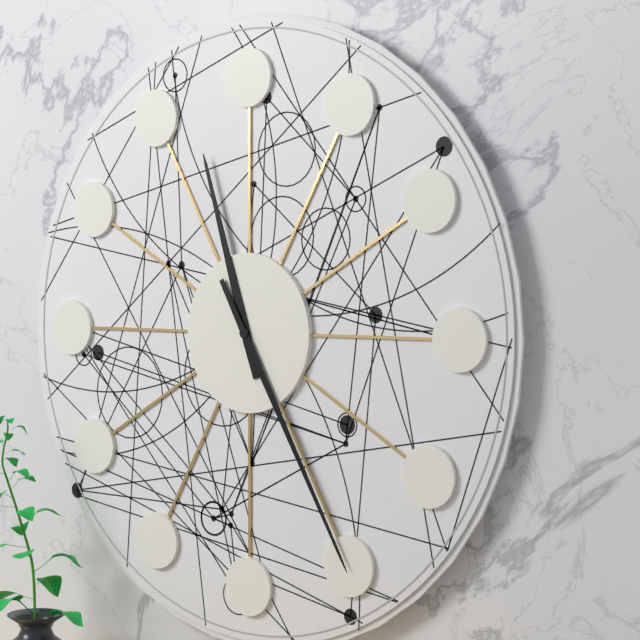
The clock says **11:25**
